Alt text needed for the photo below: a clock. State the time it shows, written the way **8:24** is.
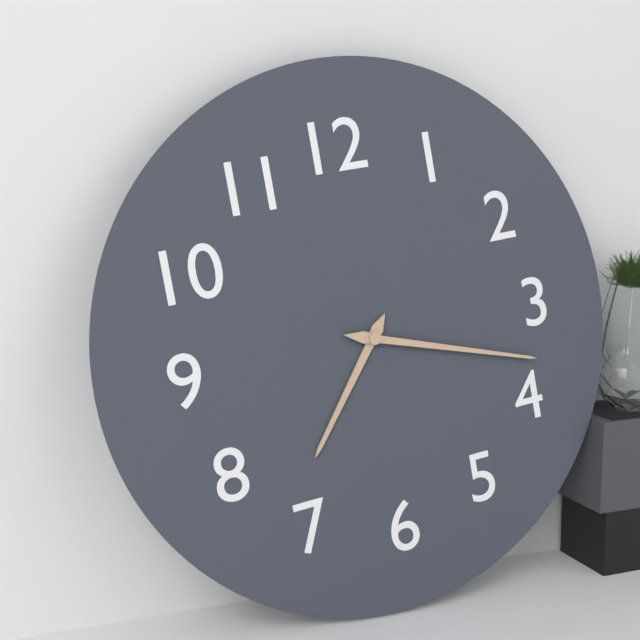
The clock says **7:18**
